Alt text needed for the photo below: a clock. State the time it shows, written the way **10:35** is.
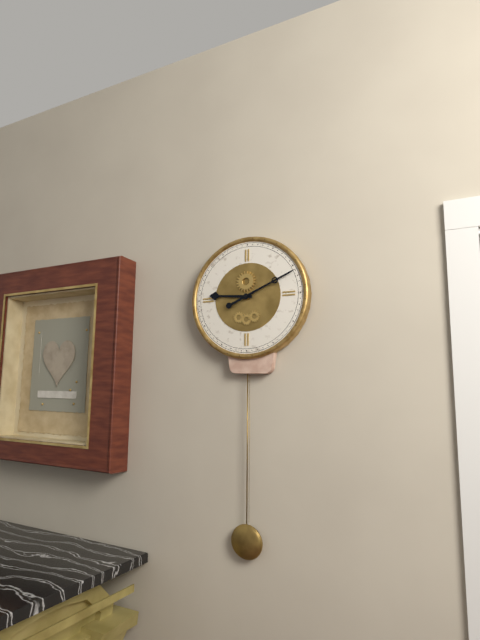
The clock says **9:11**
